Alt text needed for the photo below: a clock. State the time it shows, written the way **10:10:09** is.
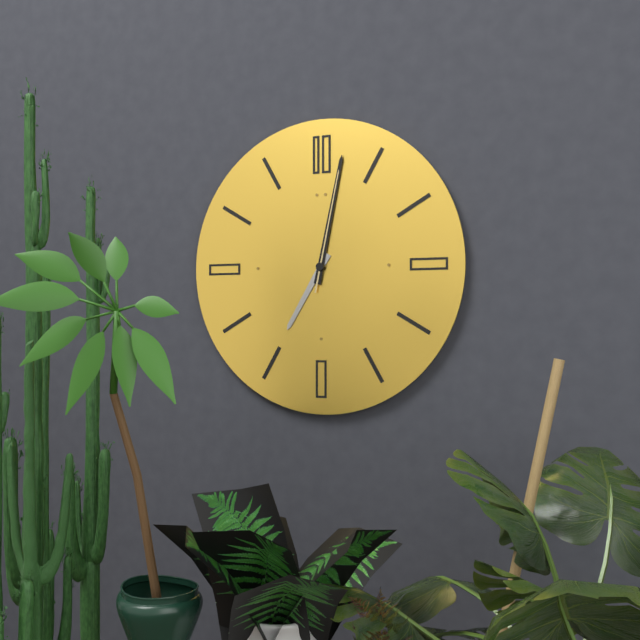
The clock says **7:02:02**
